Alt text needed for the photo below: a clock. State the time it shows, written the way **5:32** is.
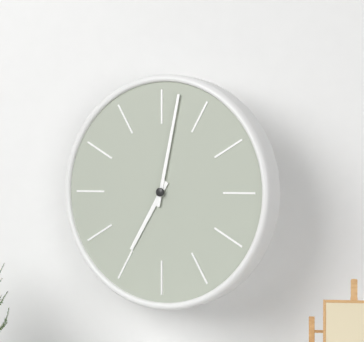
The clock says **7:02**
